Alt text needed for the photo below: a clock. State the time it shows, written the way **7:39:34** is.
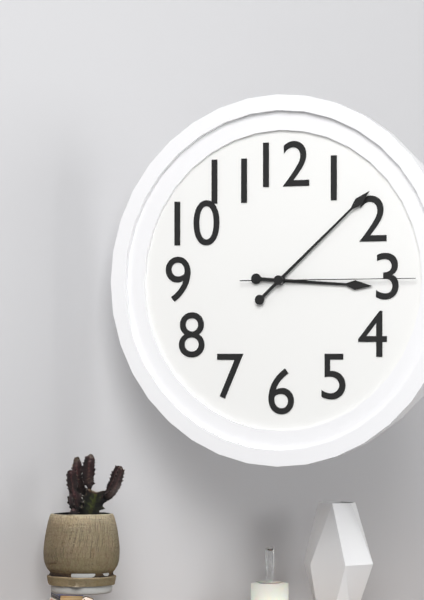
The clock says **3:08:15**
